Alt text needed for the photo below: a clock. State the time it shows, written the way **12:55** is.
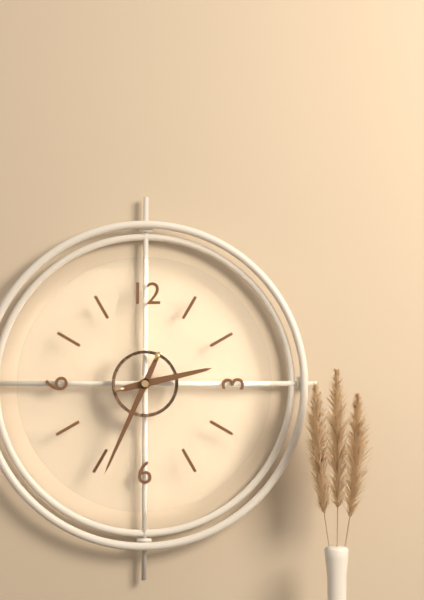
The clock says **2:34**
